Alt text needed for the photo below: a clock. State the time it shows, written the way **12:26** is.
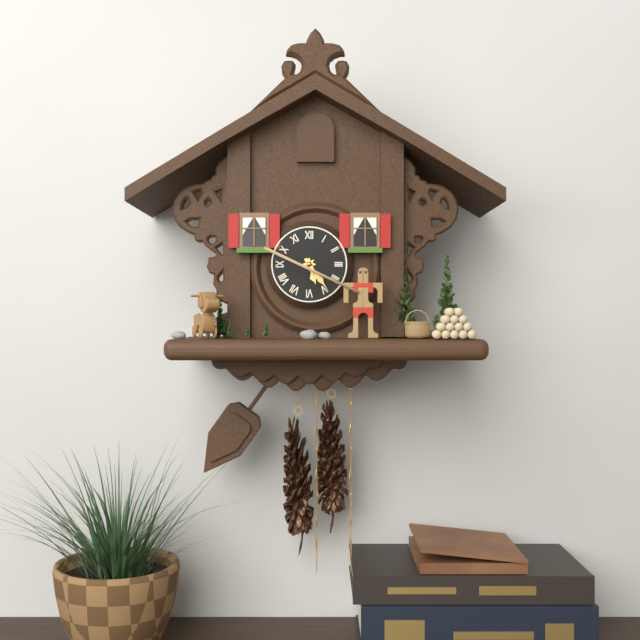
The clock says **5:24**
